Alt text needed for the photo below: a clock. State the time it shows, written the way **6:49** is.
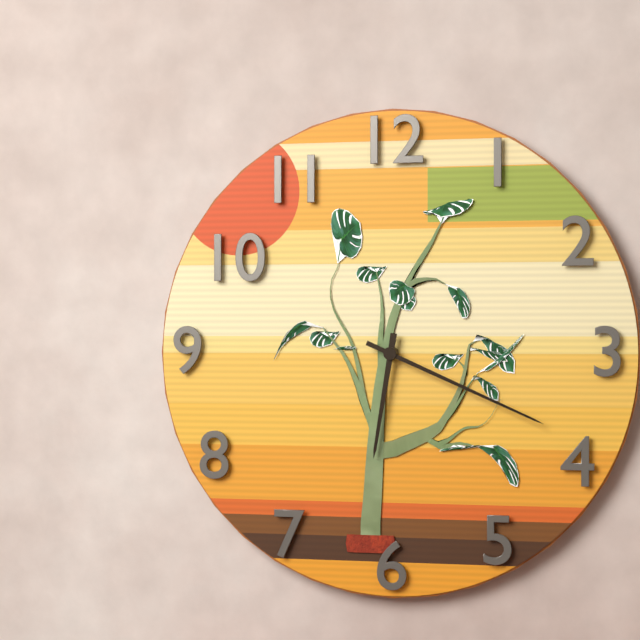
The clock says **6:19**
